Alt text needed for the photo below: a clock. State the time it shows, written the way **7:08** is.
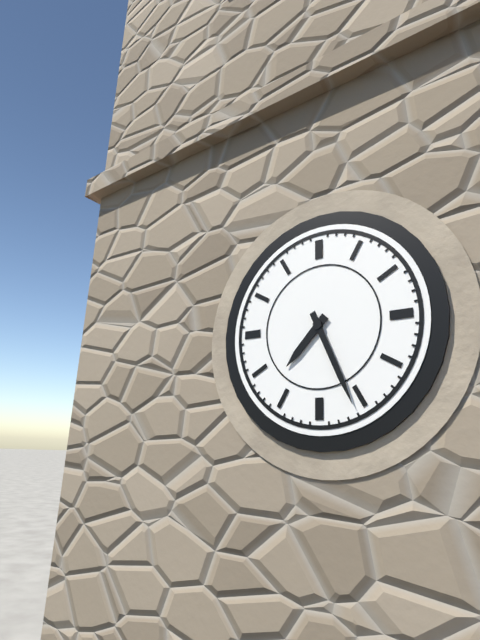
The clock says **7:26**
